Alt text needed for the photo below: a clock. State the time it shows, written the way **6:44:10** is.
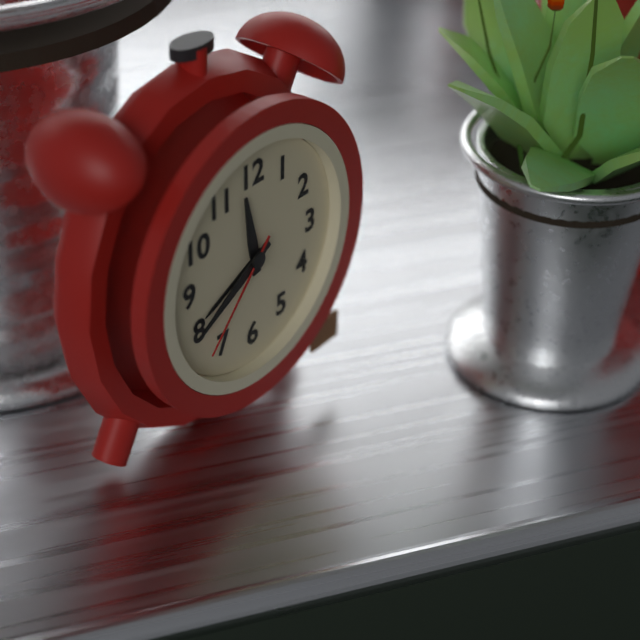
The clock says **11:40:37**
